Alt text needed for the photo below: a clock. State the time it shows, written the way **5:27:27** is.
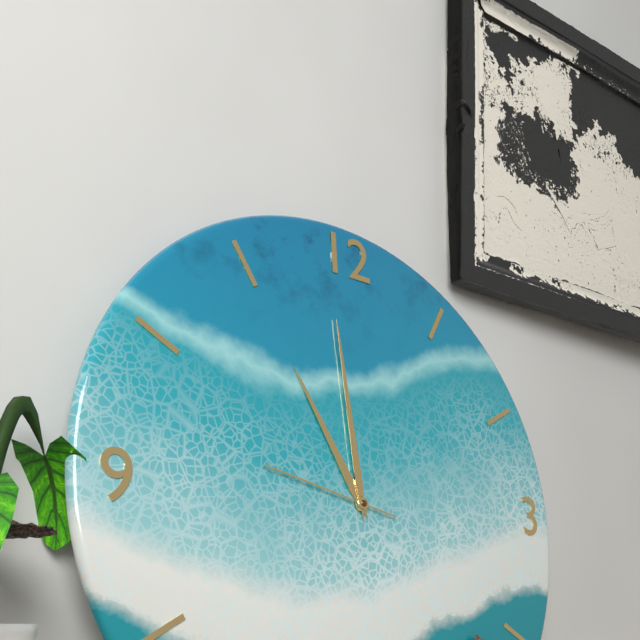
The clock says **10:59:47**
